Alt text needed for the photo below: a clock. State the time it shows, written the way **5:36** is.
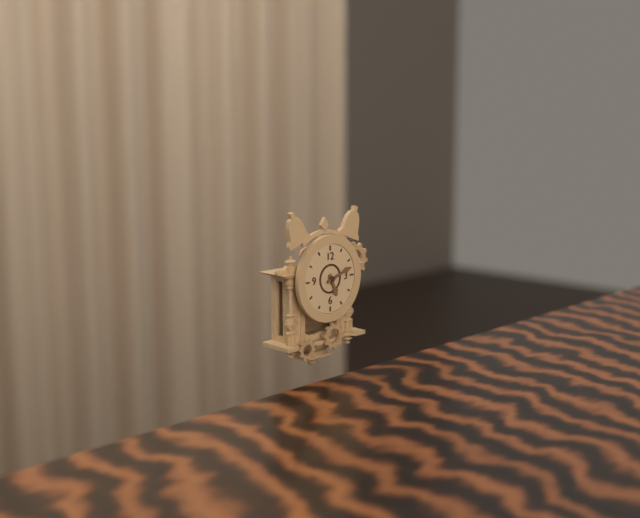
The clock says **5:12**
